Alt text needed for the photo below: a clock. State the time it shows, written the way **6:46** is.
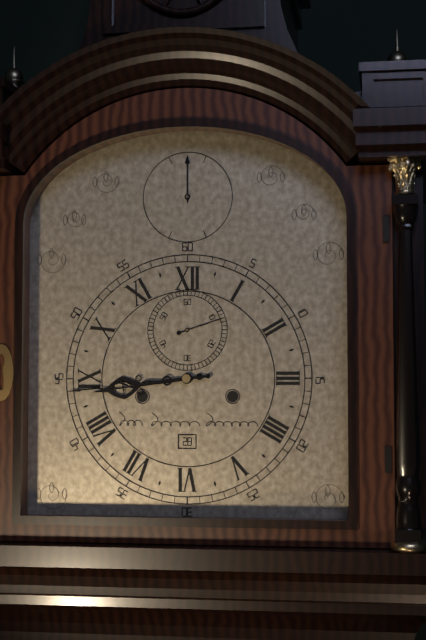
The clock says **8:44**
